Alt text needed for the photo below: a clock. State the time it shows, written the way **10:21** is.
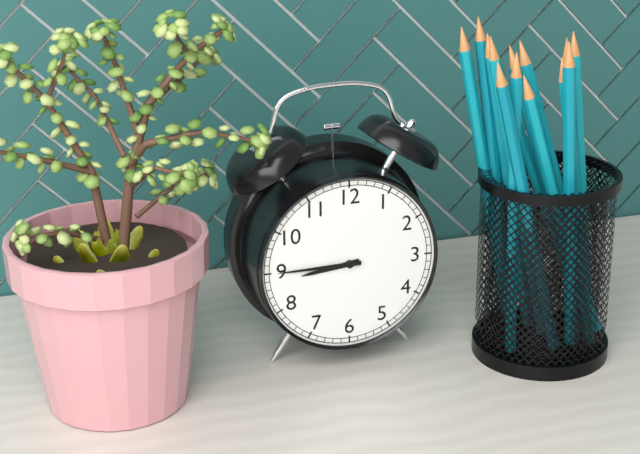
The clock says **8:45**
